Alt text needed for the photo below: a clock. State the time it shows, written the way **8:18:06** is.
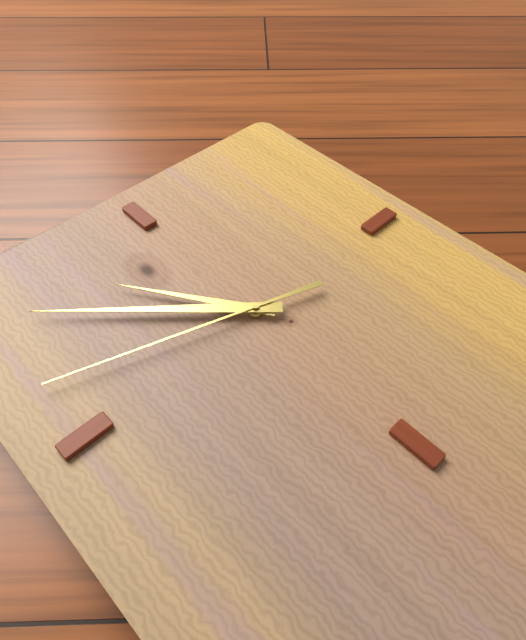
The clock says **10:52:48**
